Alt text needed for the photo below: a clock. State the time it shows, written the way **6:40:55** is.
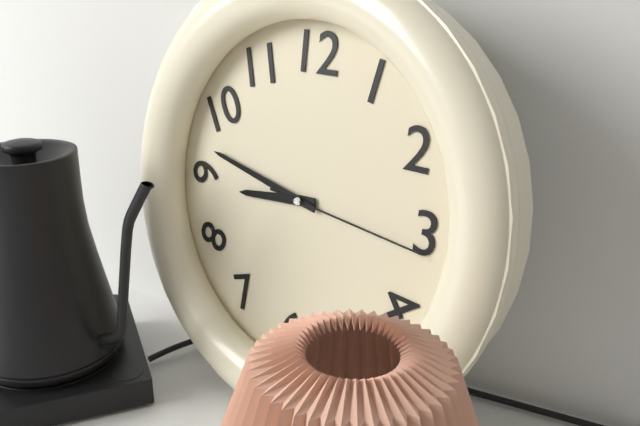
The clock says **8:47:16**
